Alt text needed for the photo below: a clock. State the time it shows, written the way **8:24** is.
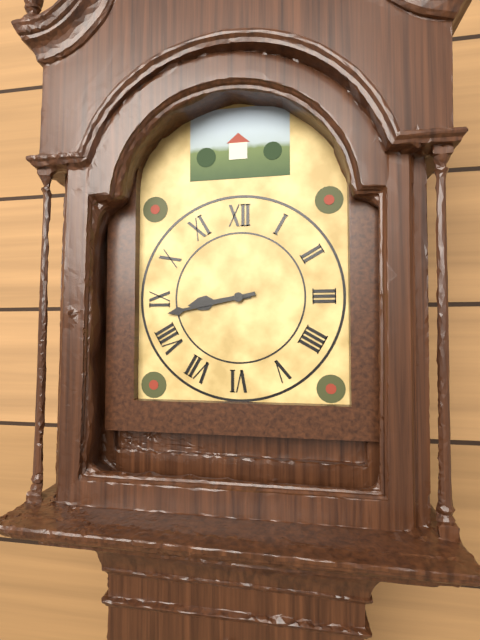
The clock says **8:43**
